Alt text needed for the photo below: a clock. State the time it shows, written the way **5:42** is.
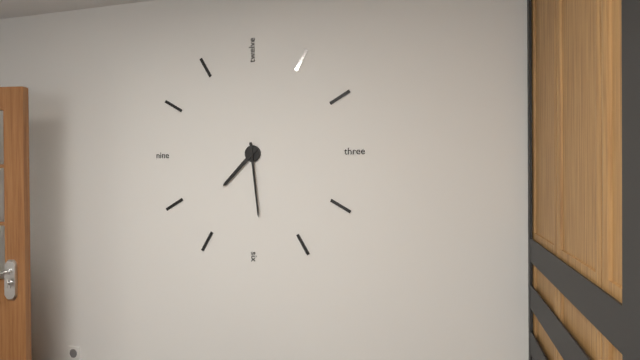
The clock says **7:29**
